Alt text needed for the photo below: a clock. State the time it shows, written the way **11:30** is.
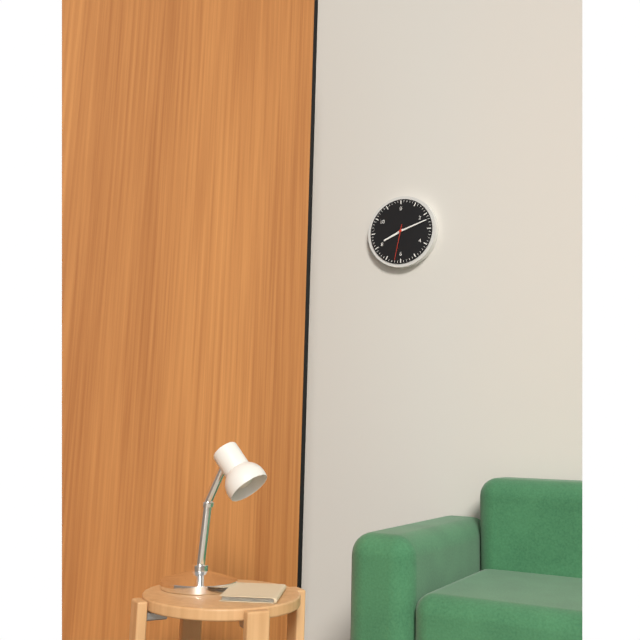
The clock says **8:12**
